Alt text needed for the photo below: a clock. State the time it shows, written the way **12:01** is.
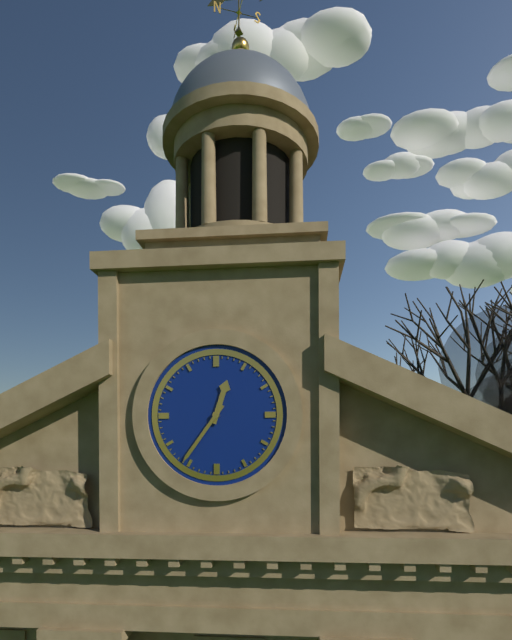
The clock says **12:36**
